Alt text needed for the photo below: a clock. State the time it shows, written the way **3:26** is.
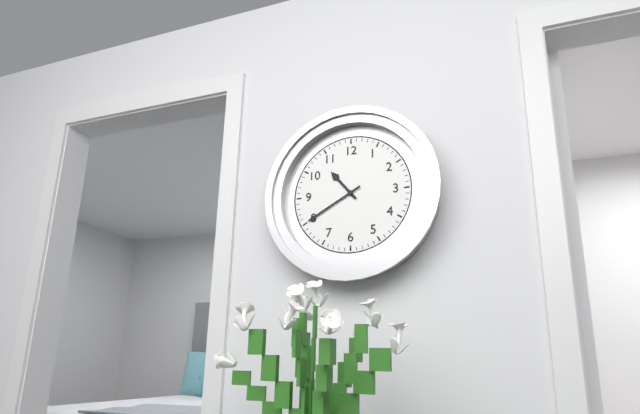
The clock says **10:40**
